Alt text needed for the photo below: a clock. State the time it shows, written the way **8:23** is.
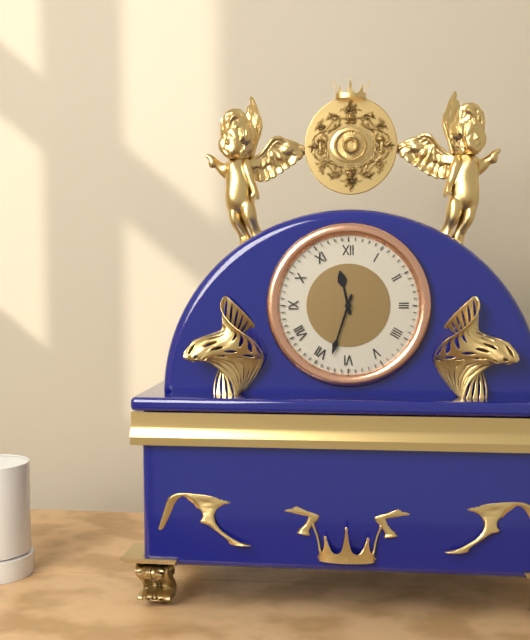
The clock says **11:33**
